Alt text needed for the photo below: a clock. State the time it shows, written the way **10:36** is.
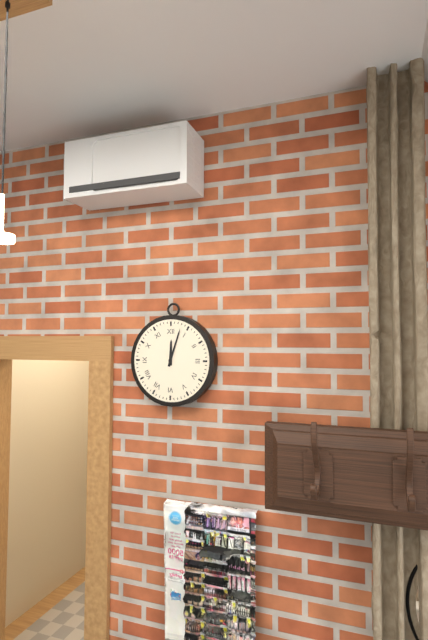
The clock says **12:03**
